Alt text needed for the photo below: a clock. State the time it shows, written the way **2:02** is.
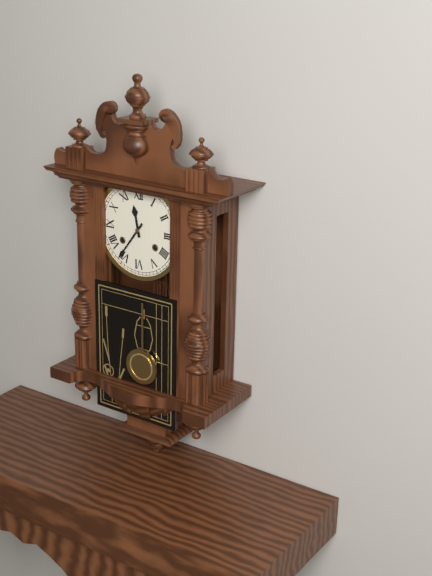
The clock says **11:36**
